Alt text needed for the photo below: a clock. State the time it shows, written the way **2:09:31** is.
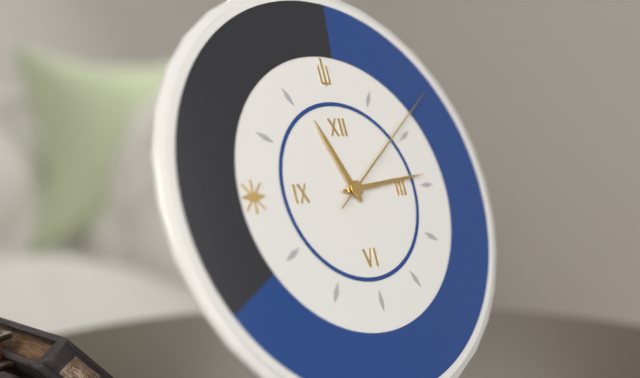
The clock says **11:14:09**
